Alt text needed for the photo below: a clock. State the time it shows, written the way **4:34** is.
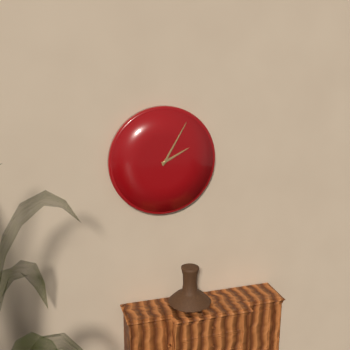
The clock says **2:05**
